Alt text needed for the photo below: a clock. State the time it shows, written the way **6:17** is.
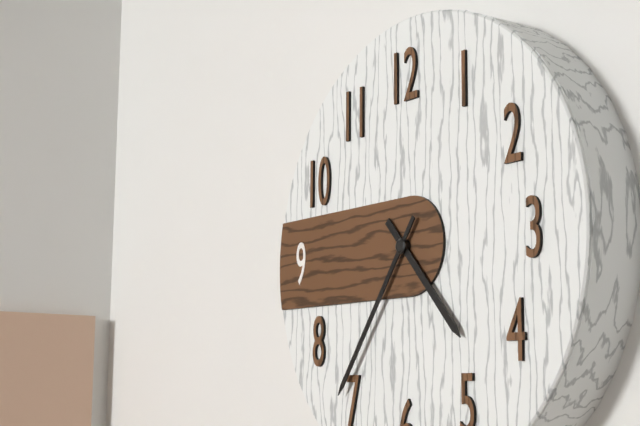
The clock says **4:36**
